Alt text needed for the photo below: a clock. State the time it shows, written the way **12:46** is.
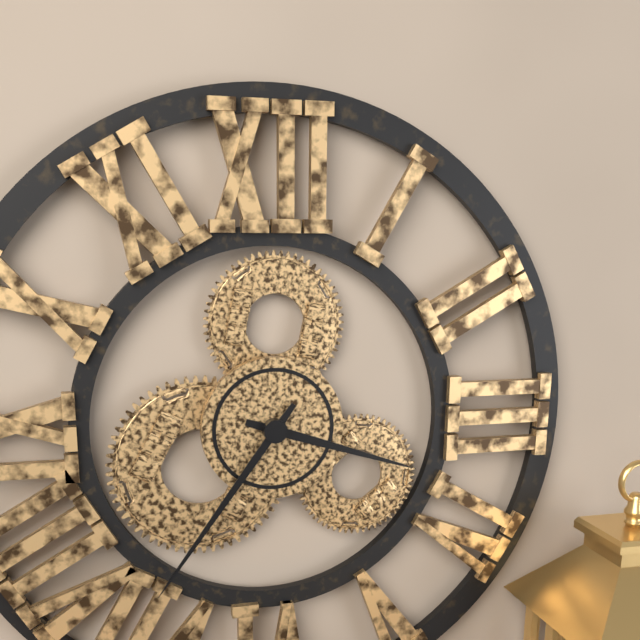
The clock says **3:36**
